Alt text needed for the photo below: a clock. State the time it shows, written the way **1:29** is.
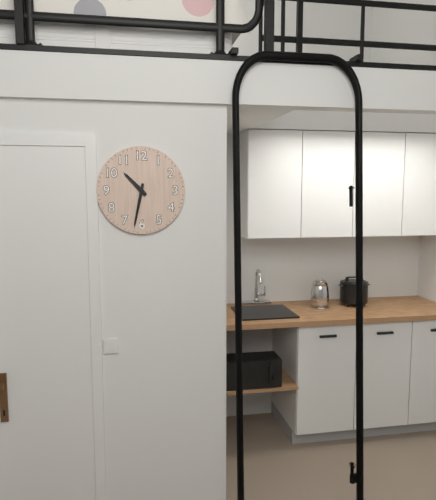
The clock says **10:32**
